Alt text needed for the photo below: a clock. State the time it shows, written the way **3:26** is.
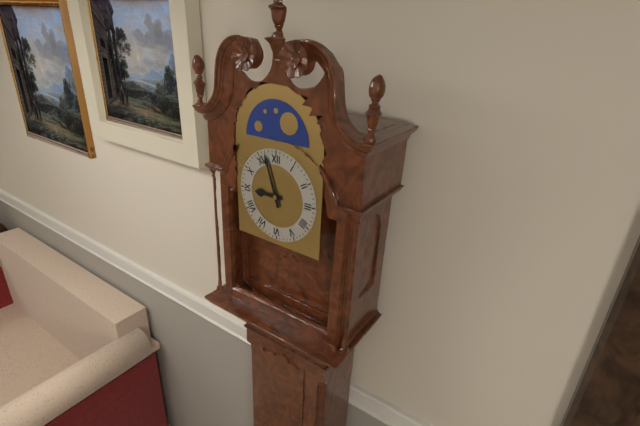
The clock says **8:57**
